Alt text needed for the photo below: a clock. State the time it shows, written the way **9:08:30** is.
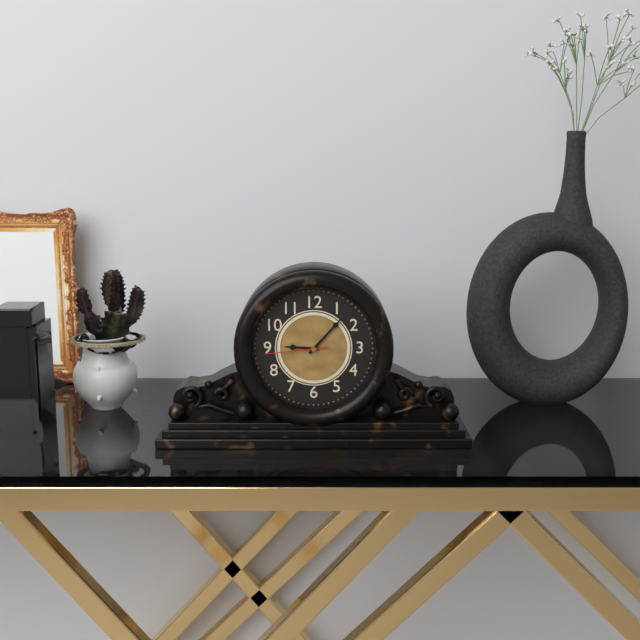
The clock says **9:07:44**
